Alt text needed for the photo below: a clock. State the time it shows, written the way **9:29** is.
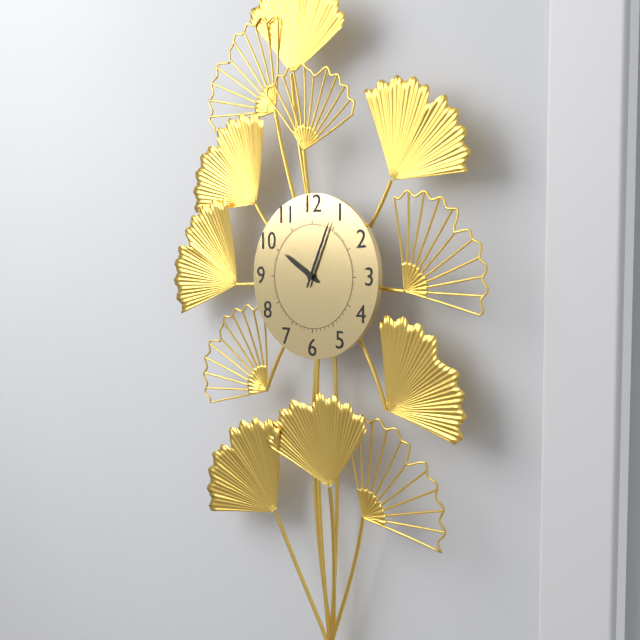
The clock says **10:04**
